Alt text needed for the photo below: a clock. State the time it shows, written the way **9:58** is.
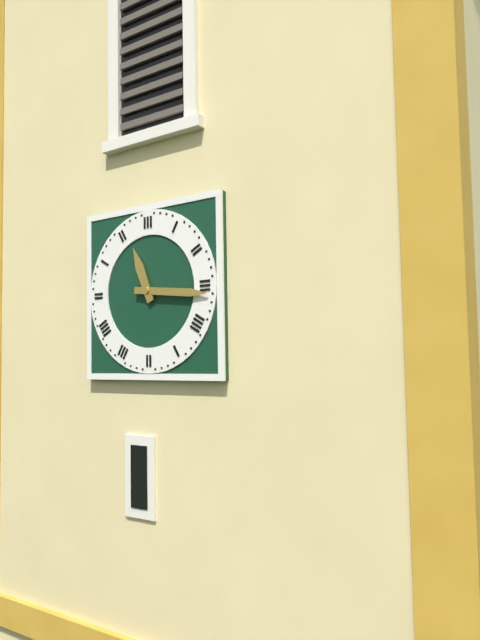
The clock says **11:16**
